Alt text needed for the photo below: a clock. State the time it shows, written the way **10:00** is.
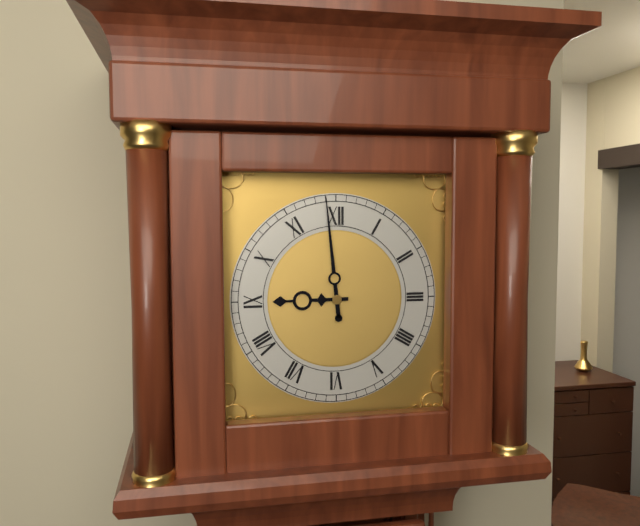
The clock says **8:59**
